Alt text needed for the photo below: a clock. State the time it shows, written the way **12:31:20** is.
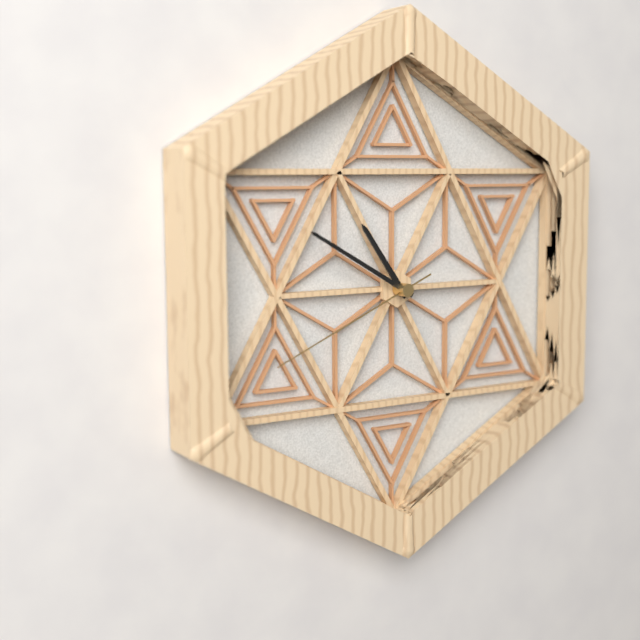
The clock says **10:50:41**
